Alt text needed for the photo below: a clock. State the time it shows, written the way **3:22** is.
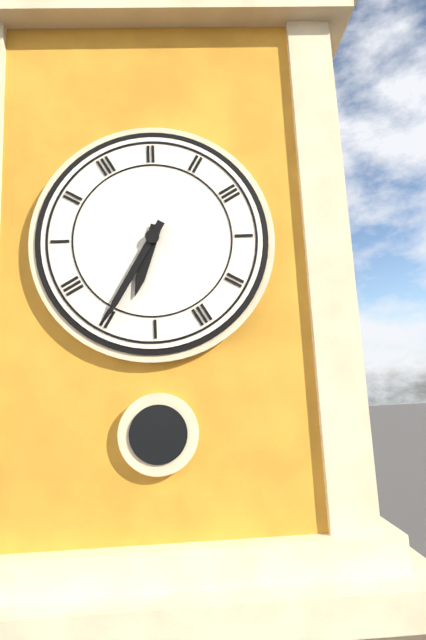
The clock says **6:35**
